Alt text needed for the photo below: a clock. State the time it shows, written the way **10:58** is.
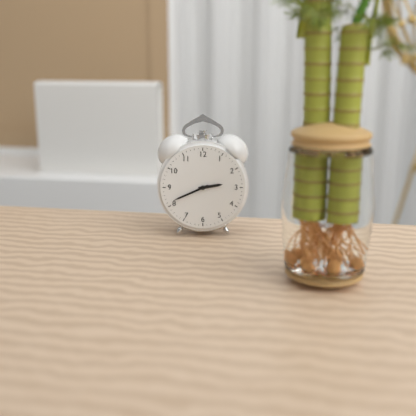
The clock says **2:41**
